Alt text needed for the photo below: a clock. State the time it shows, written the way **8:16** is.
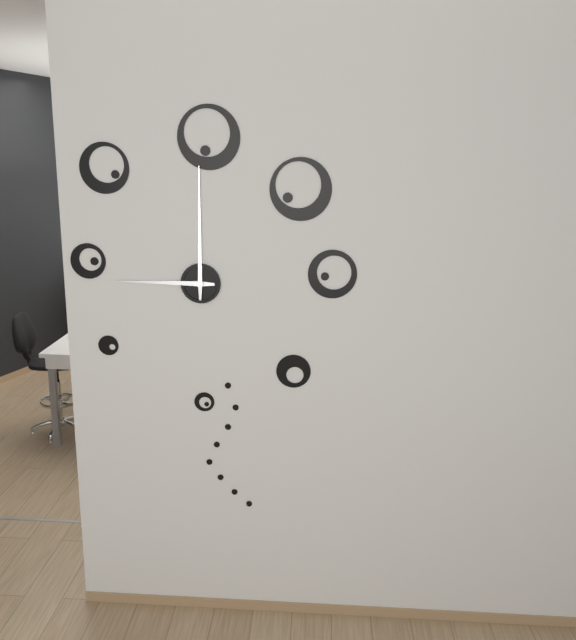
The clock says **9:00**
